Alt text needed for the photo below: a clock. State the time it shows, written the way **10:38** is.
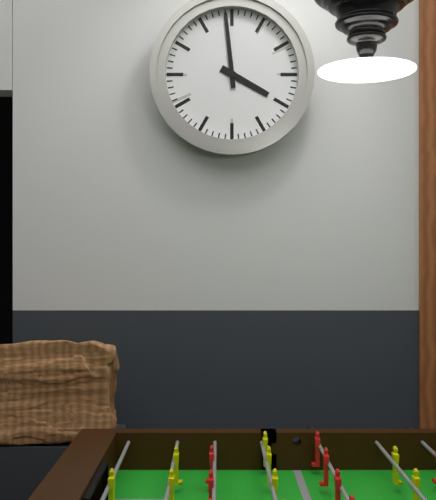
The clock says **3:59**
